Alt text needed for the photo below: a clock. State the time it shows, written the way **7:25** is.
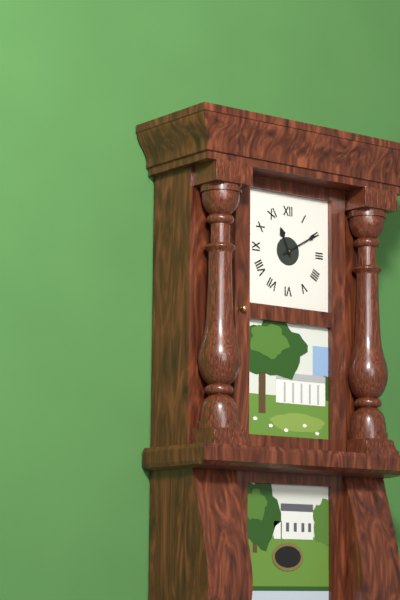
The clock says **11:10**
